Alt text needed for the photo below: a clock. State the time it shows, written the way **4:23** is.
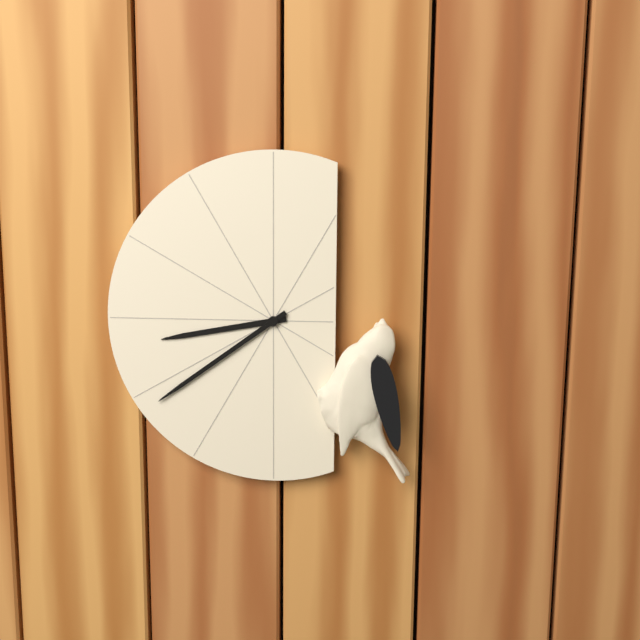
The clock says **8:39**
